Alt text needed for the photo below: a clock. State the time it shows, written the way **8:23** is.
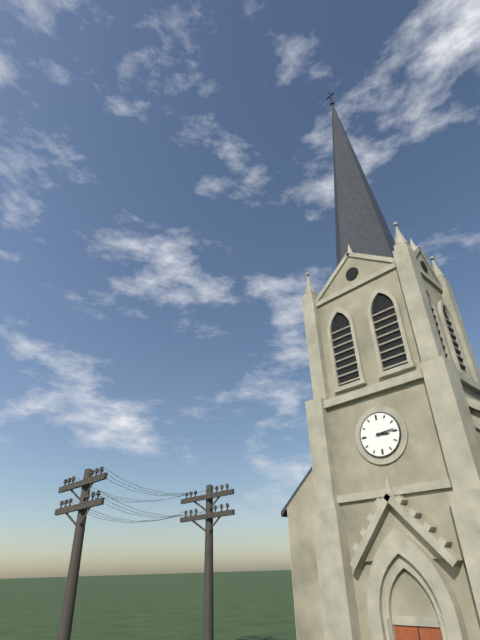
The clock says **3:14**
